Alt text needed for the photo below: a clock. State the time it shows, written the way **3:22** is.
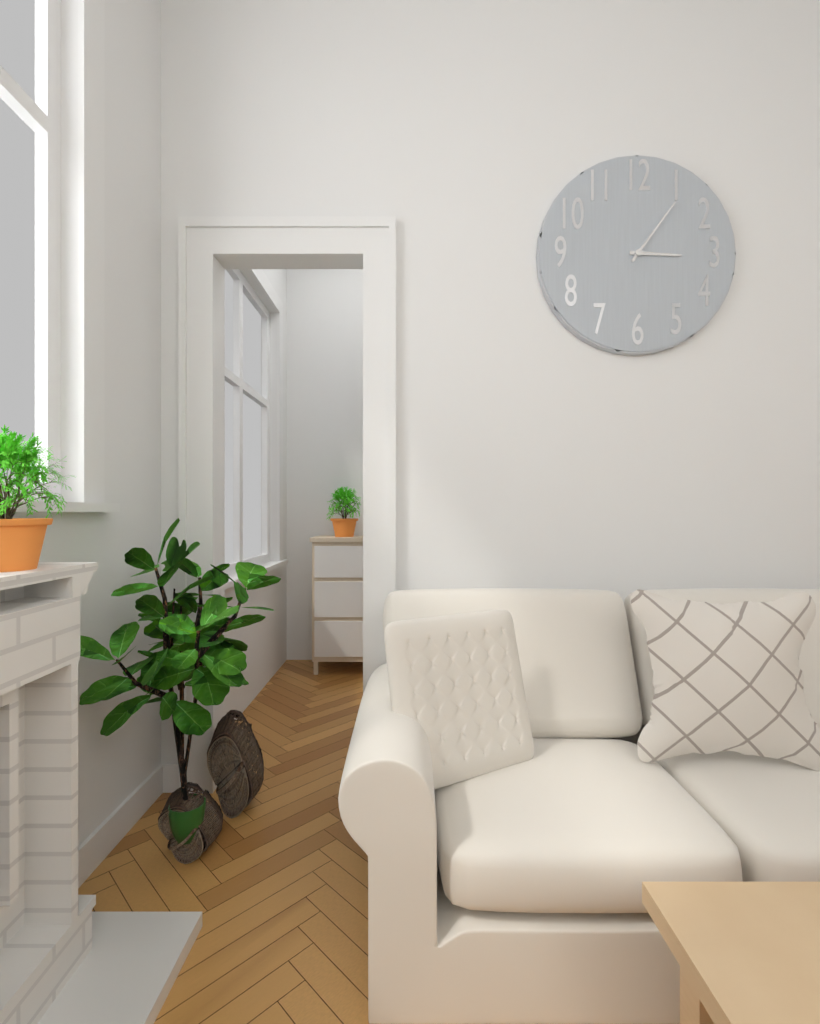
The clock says **3:06**
